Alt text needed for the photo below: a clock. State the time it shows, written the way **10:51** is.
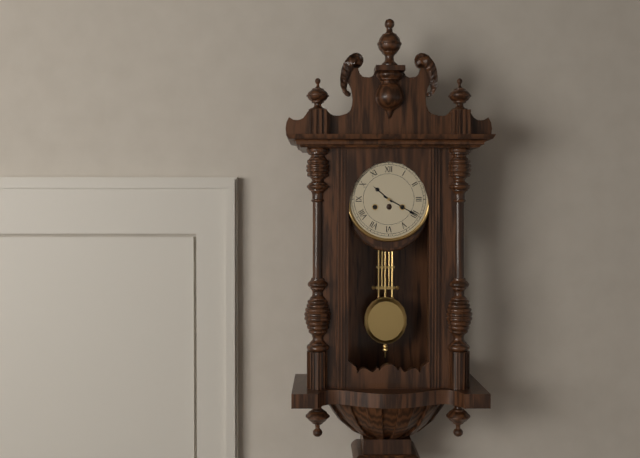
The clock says **10:20**
